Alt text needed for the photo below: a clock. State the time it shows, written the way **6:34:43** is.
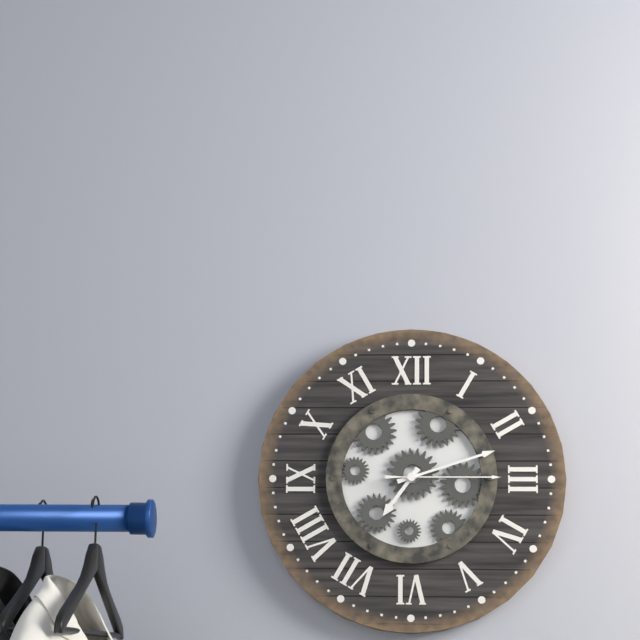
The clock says **7:12:15**
